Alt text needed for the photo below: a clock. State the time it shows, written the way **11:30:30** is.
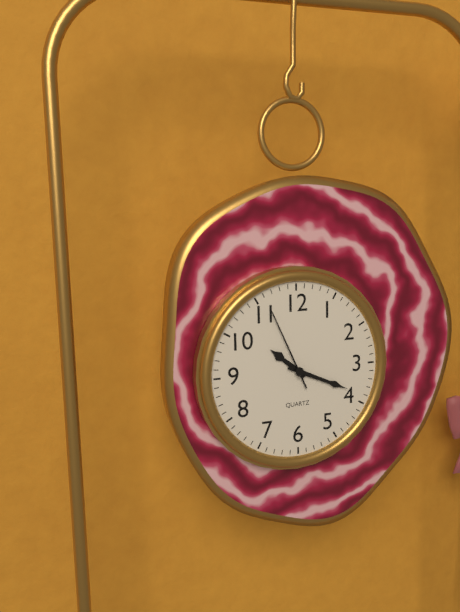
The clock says **10:19:56**
